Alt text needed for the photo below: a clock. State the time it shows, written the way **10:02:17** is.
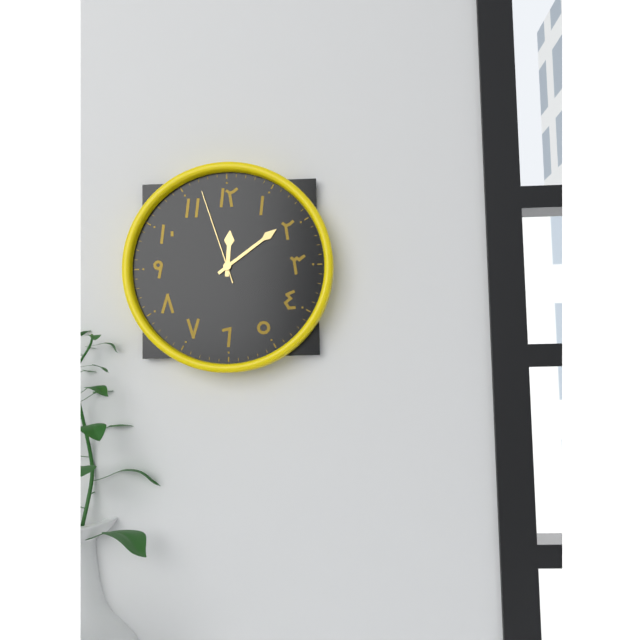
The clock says **12:09:57**
